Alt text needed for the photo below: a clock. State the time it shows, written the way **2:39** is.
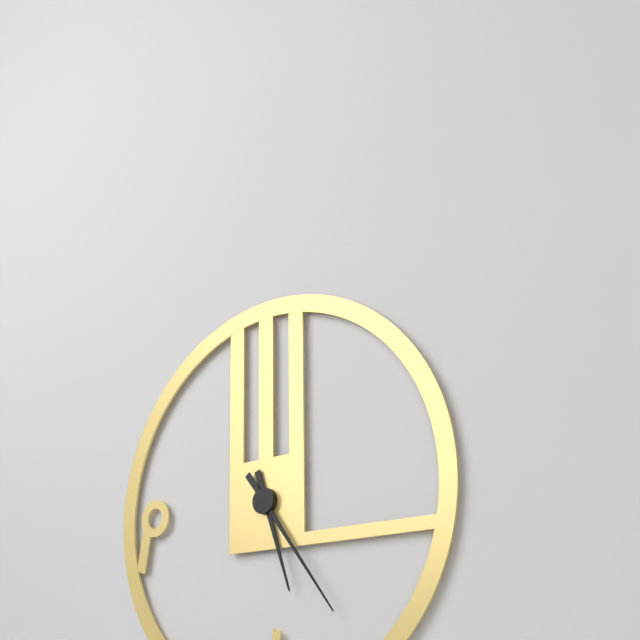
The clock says **5:24**
